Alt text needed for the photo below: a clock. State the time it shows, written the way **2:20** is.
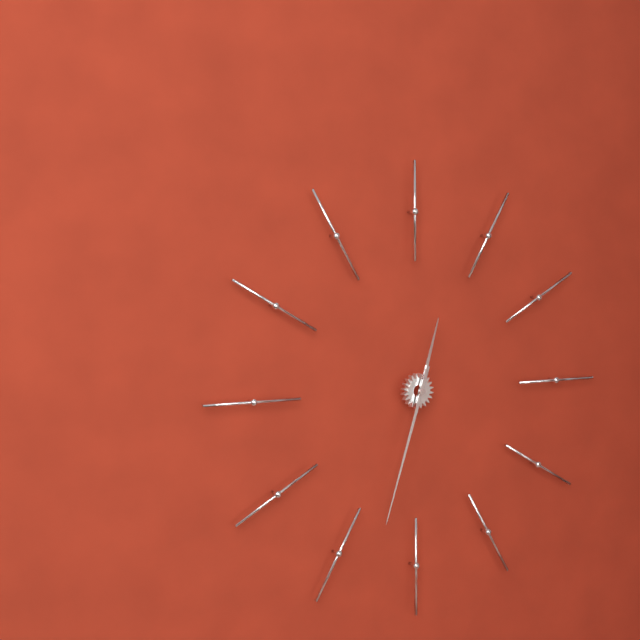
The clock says **12:33**
